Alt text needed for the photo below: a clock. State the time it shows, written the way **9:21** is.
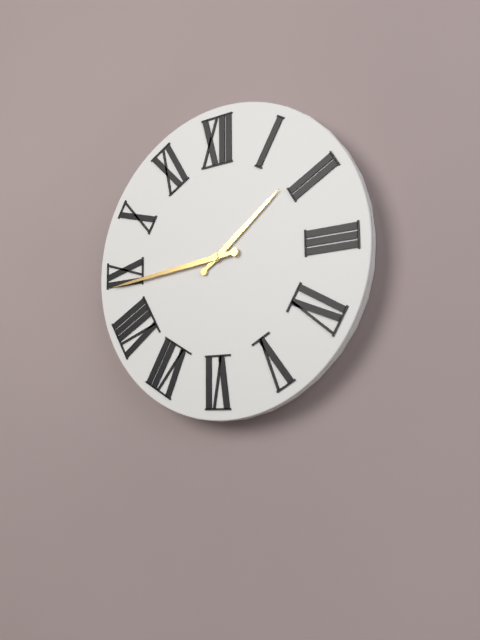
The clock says **1:44**
